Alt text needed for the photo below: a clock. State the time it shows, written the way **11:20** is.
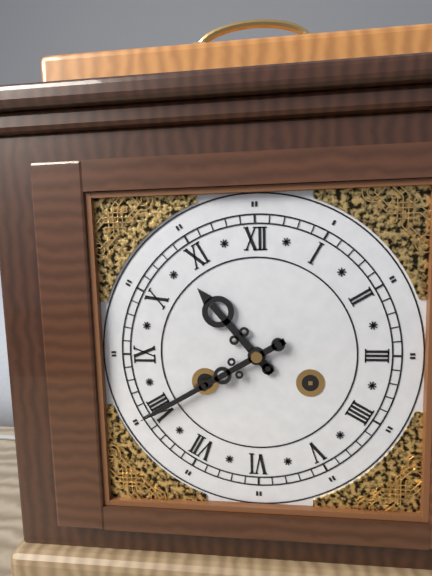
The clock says **10:40**
